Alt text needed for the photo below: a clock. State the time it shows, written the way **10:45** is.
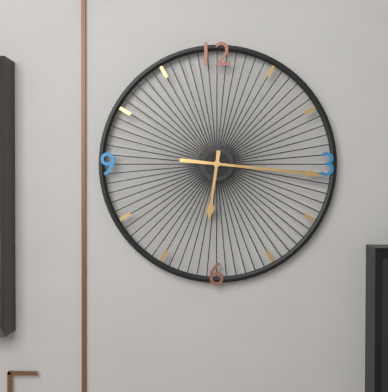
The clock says **6:16**
